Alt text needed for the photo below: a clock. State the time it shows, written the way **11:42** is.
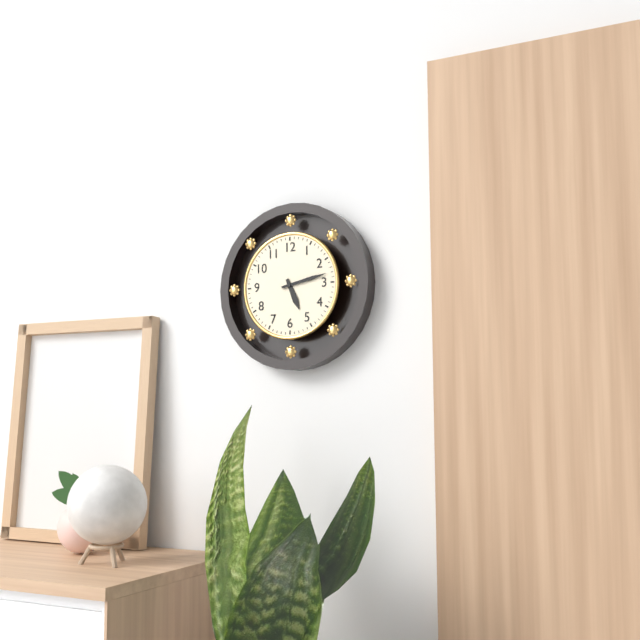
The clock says **5:13**
